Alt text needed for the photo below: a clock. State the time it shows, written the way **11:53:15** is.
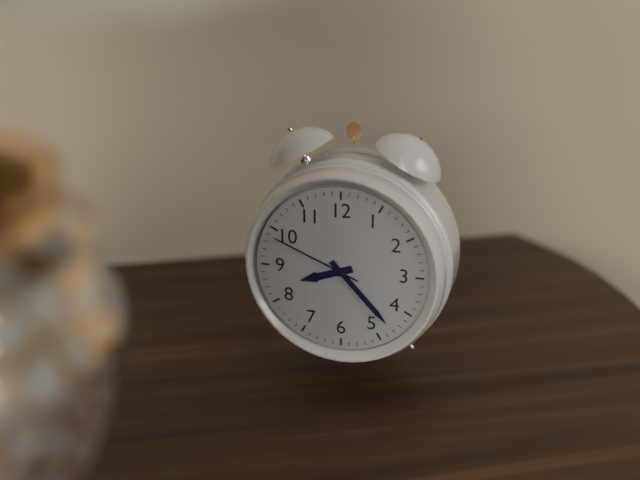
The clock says **8:23:49**
